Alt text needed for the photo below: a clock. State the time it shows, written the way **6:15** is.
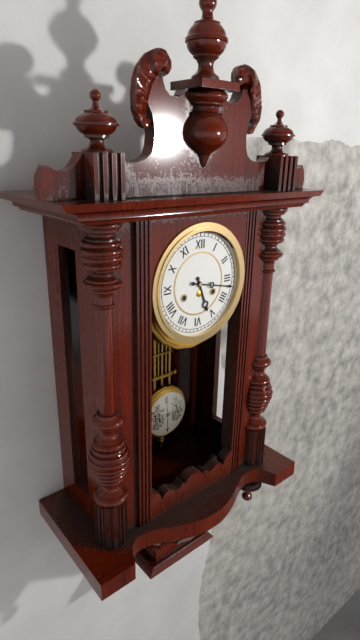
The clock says **5:17**
